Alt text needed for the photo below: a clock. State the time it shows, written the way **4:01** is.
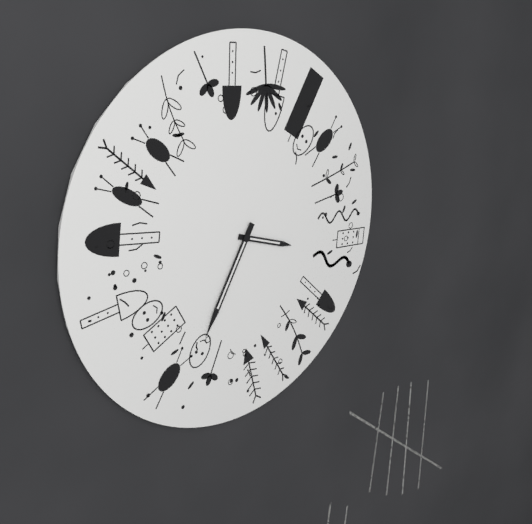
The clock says **3:35**
